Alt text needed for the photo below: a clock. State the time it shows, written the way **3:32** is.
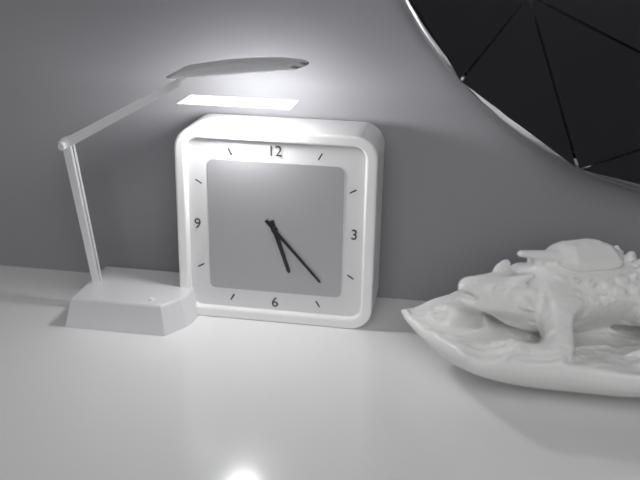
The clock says **5:23**
